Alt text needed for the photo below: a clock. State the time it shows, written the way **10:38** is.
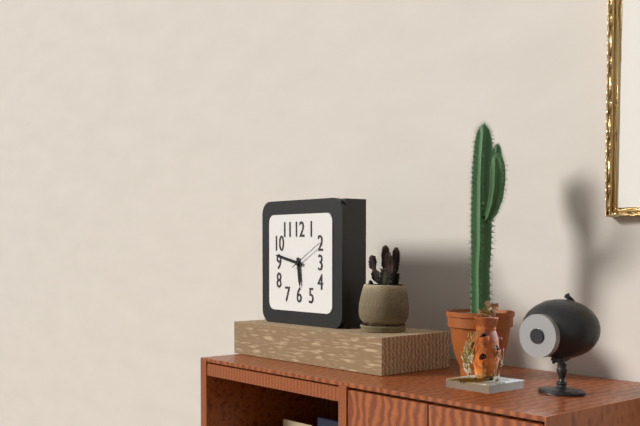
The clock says **5:47**
